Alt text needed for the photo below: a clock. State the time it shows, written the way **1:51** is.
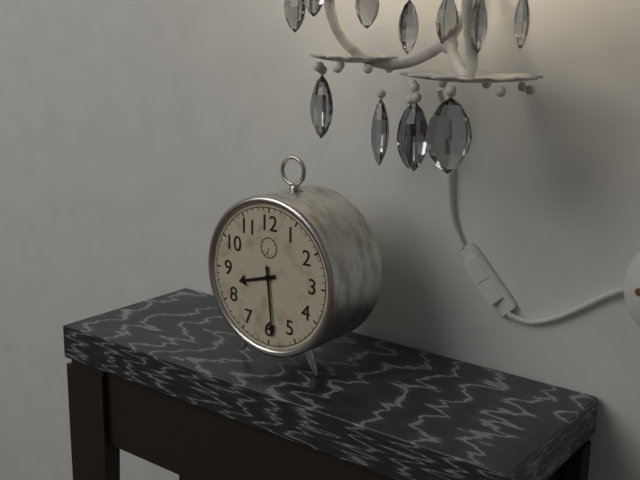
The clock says **8:29**
